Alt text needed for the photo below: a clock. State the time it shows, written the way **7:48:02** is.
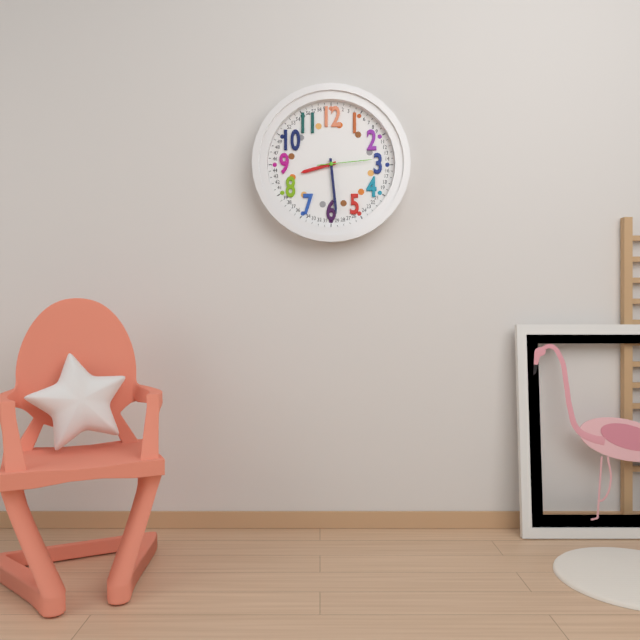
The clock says **8:29:14**
